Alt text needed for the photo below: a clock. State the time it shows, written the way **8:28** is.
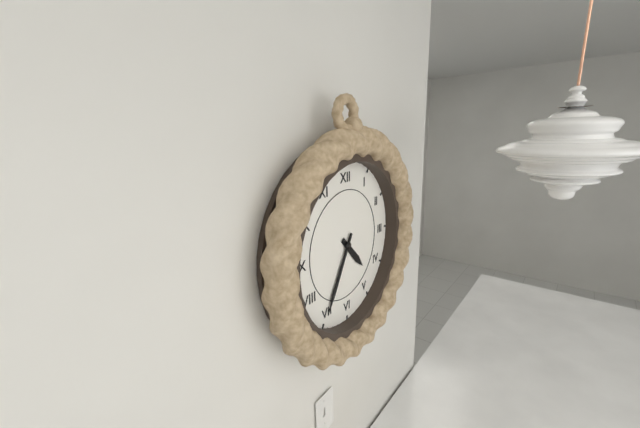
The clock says **4:35**
